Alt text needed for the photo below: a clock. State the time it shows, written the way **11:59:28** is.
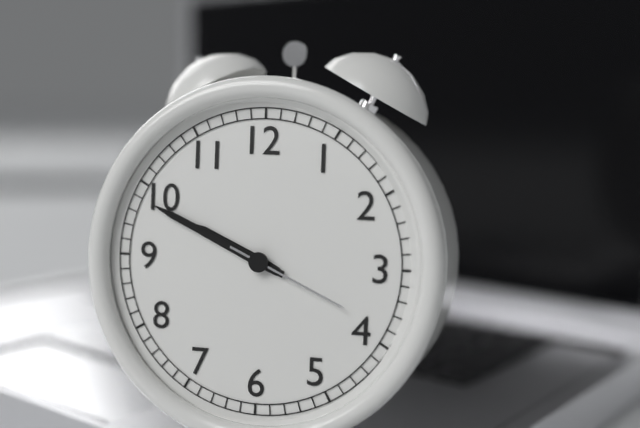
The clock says **9:49:19**
